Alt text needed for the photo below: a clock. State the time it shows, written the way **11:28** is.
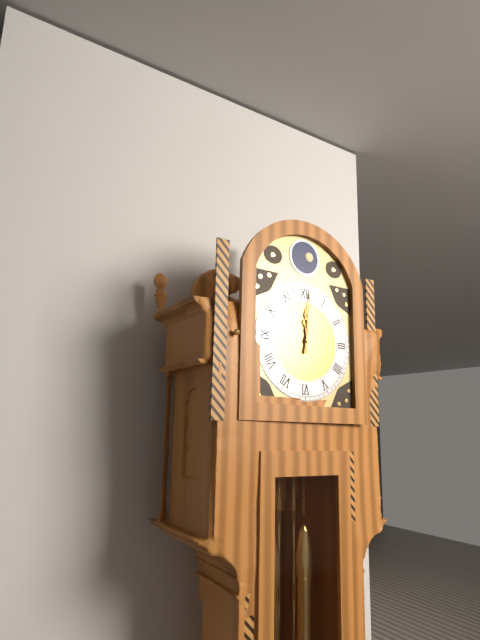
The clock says **12:01**
